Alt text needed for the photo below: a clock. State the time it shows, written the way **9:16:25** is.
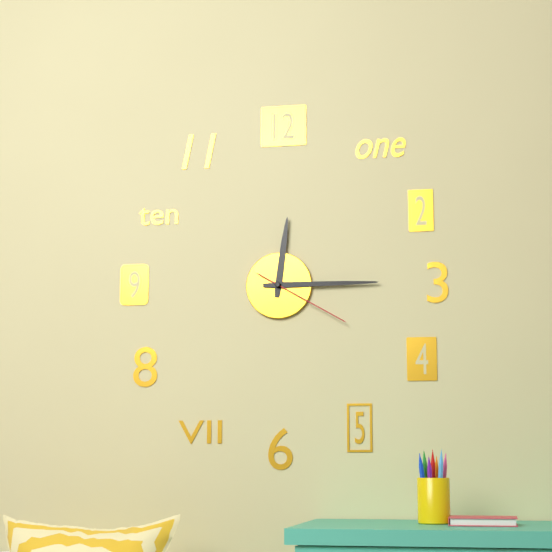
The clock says **12:15:20**
